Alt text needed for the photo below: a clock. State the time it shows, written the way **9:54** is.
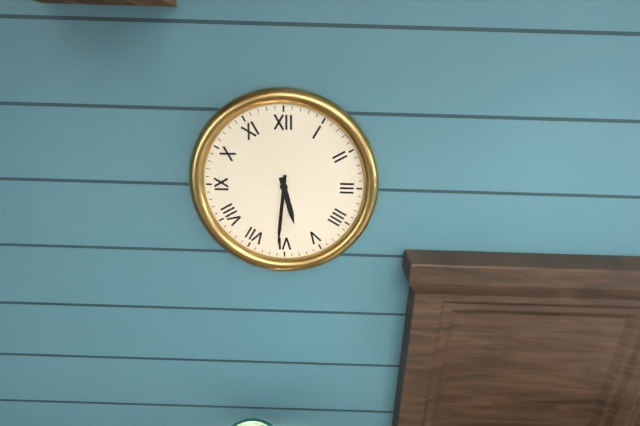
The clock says **5:31**
